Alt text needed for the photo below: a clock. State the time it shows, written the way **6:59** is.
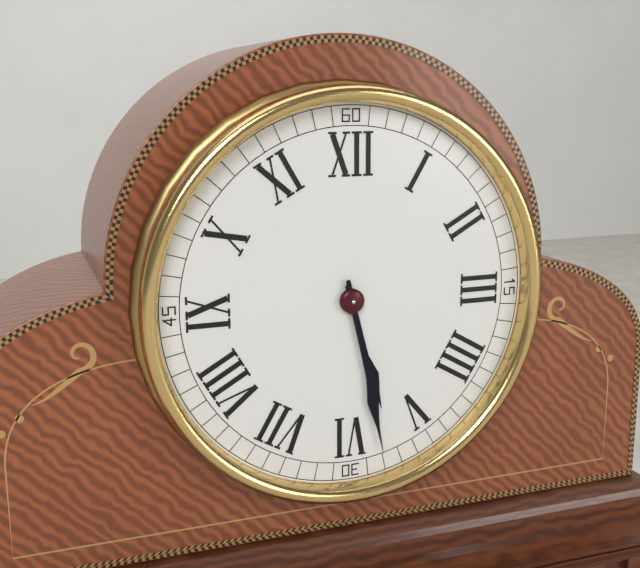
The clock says **5:28**
